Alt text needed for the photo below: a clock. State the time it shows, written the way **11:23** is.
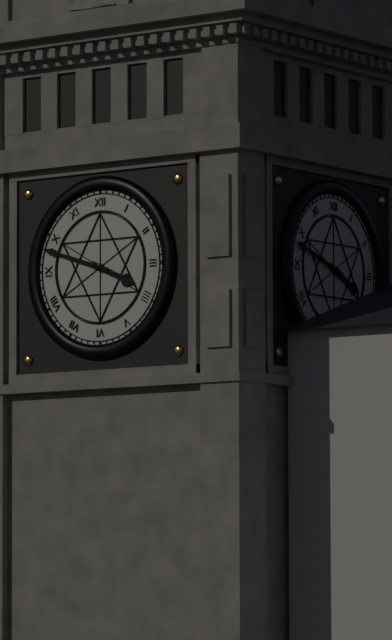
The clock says **3:48**
